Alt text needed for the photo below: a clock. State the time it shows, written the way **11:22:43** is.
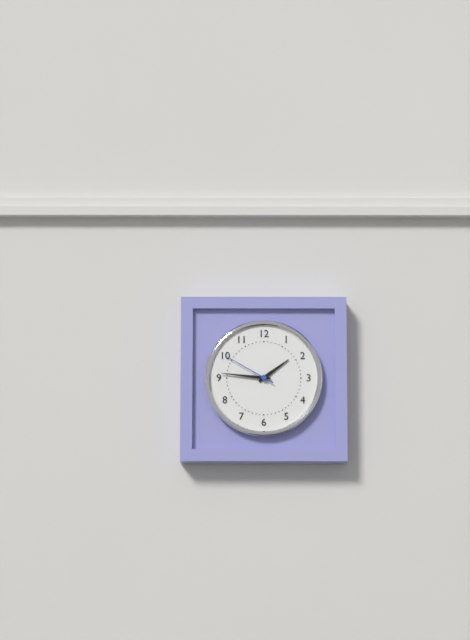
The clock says **1:46:50**
